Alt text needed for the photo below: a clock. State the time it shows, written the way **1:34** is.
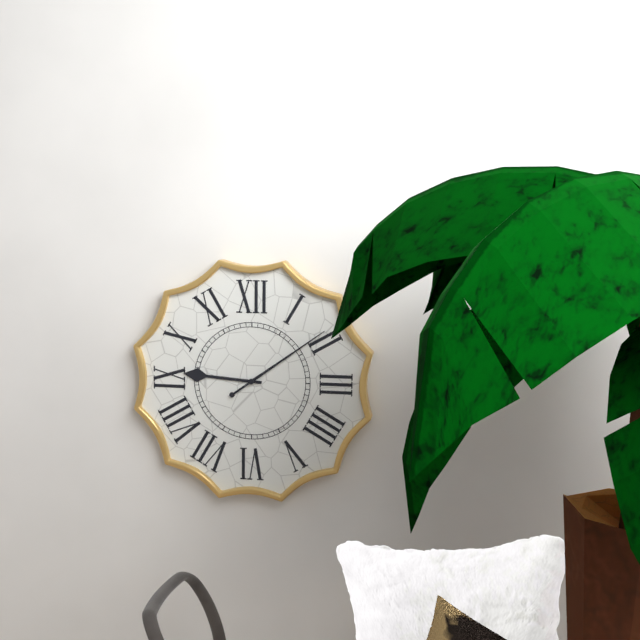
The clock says **9:09**
